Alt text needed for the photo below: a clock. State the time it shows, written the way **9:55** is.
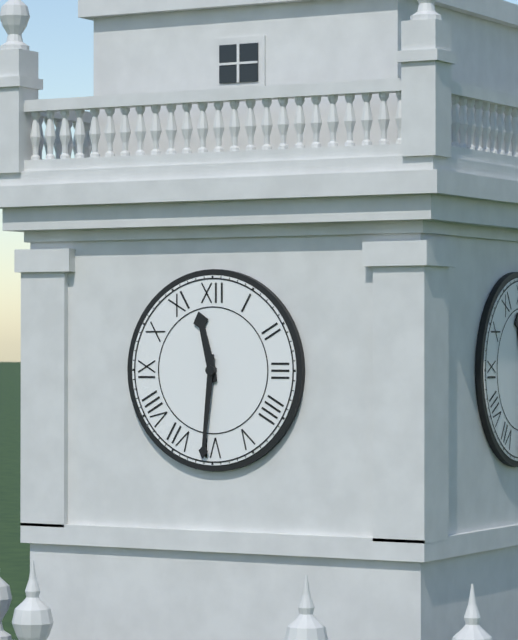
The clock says **11:31**
